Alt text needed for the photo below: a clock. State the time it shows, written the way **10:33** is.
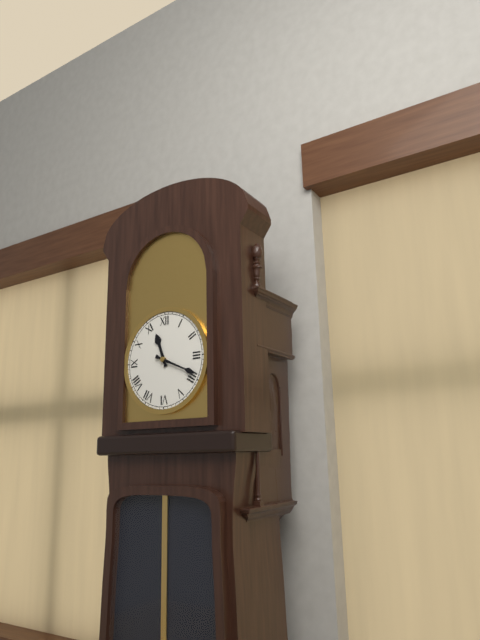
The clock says **11:19**
